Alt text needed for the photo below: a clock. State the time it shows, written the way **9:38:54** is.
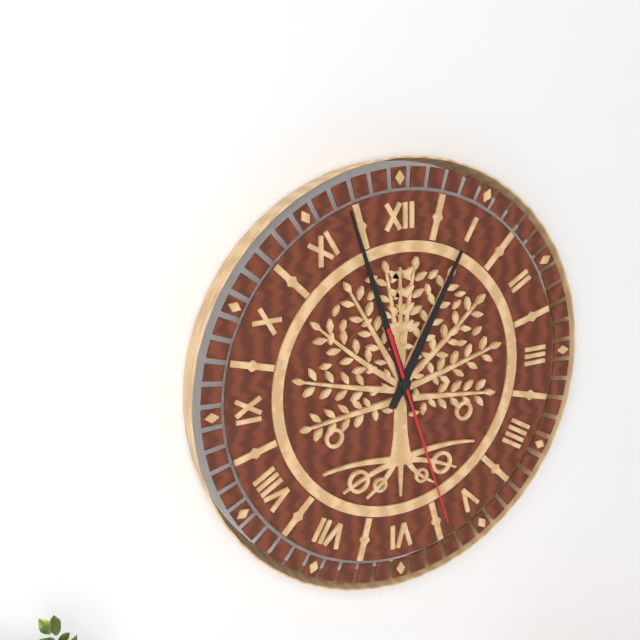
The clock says **12:57:27**
